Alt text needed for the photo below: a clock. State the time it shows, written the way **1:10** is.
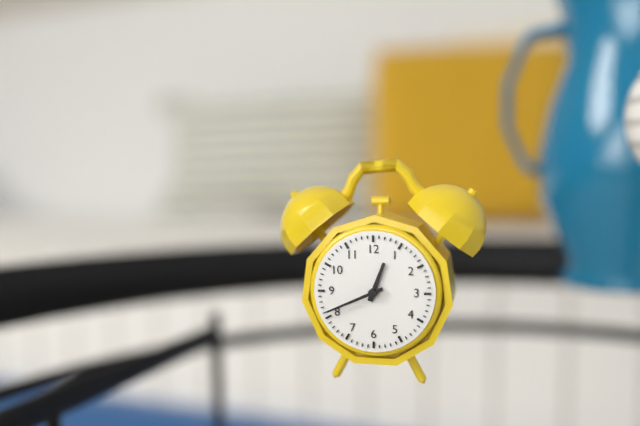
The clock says **12:41**
